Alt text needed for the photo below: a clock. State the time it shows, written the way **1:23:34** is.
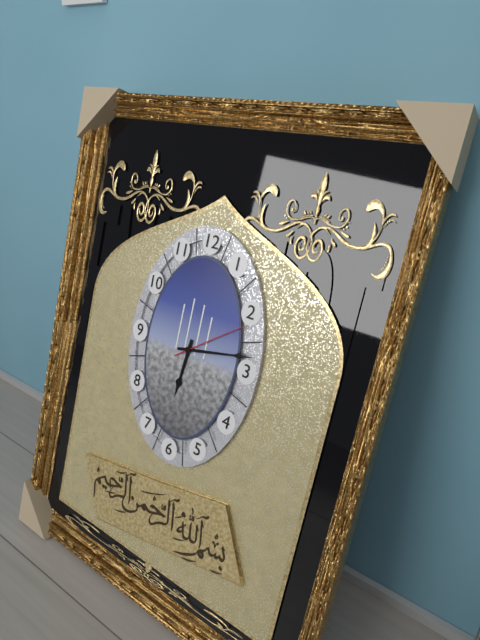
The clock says **6:13:09**
